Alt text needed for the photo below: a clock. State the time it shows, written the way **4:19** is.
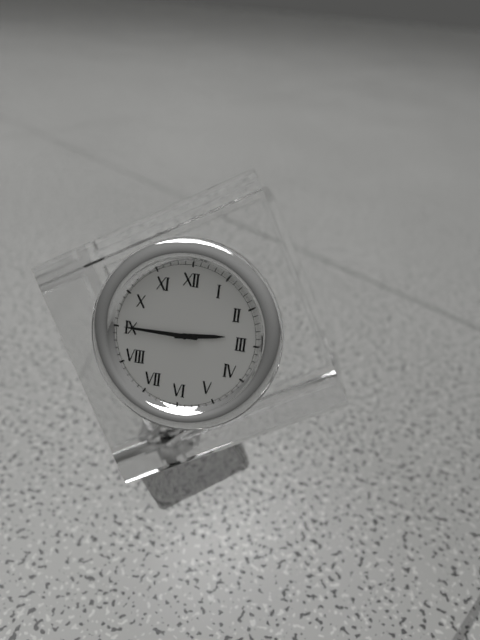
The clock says **2:45**
